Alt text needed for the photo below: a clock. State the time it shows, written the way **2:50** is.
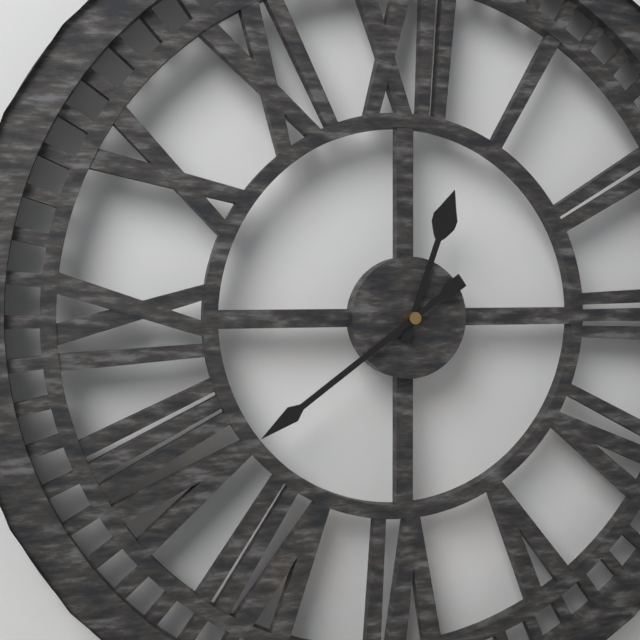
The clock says **12:39**
